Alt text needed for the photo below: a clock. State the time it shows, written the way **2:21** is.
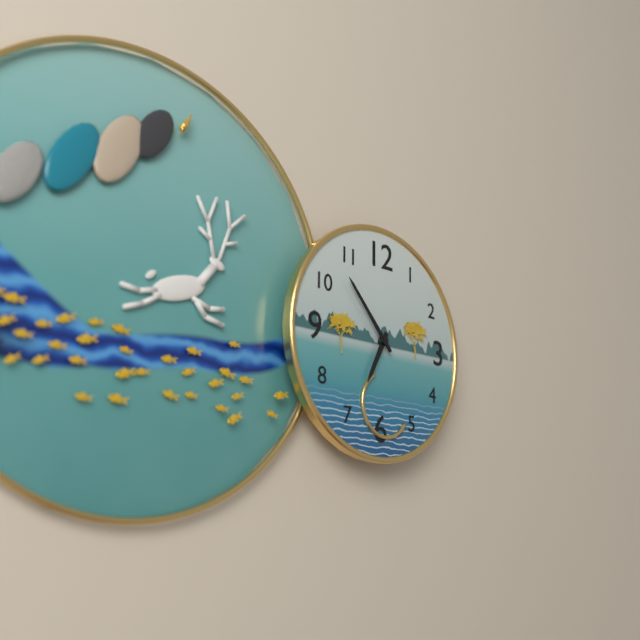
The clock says **6:53**
